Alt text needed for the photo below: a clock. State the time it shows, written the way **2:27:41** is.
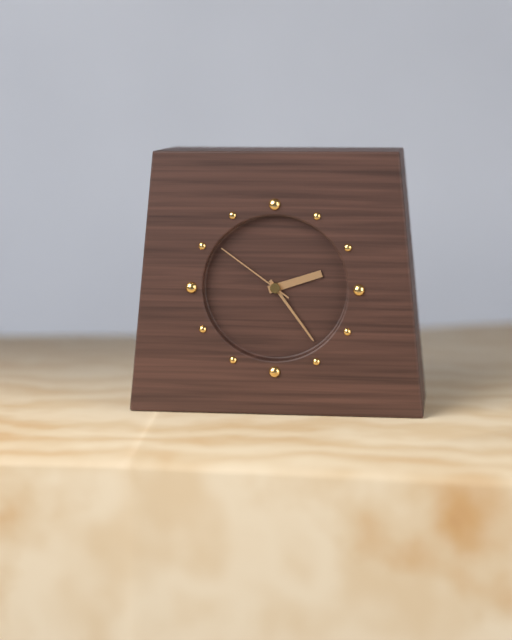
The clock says **2:24:51**
